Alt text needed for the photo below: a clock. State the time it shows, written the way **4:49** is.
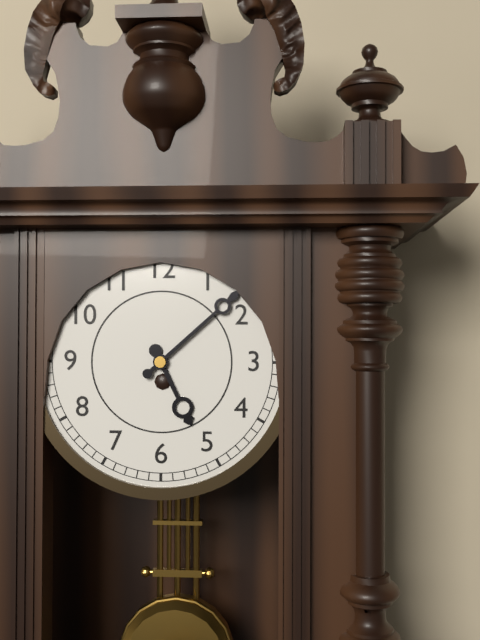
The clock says **5:08**
